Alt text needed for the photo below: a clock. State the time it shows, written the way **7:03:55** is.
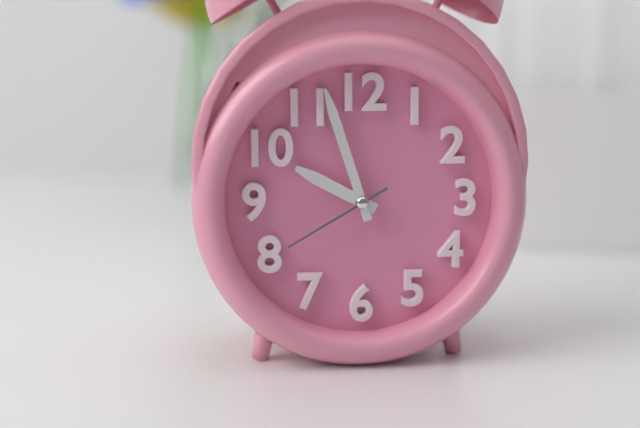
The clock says **9:57:40**
